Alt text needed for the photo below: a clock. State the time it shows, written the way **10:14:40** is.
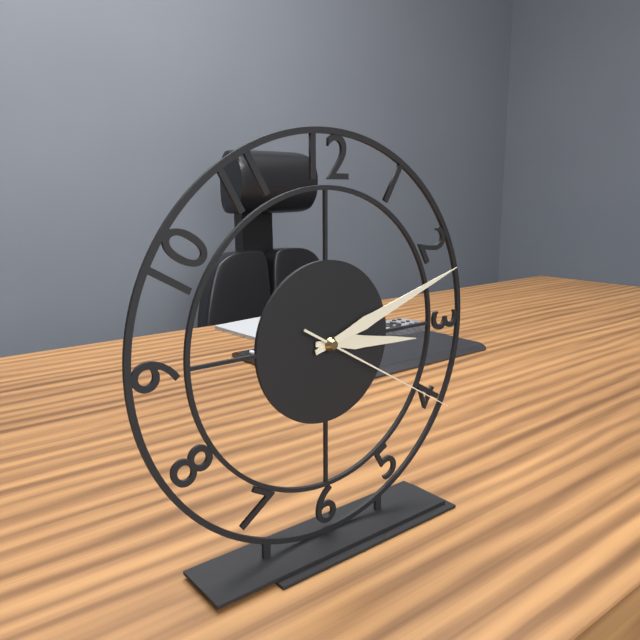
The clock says **3:12:20**
